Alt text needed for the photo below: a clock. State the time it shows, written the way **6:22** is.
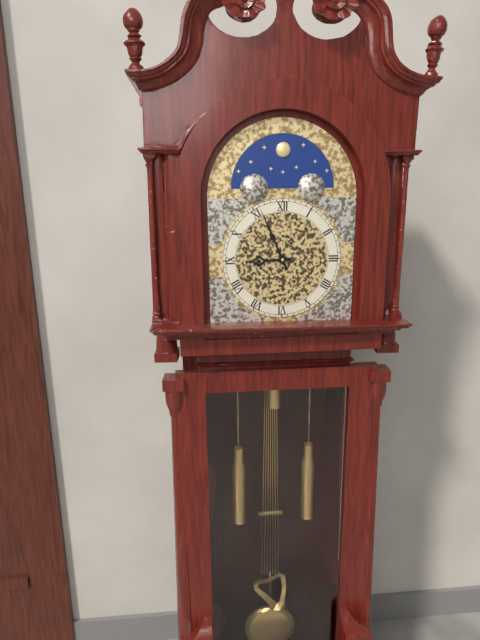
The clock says **8:56**
